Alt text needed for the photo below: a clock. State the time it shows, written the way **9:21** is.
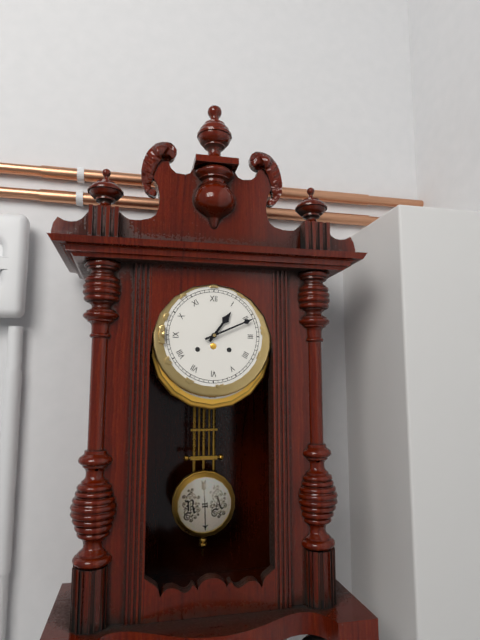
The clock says **1:11**
